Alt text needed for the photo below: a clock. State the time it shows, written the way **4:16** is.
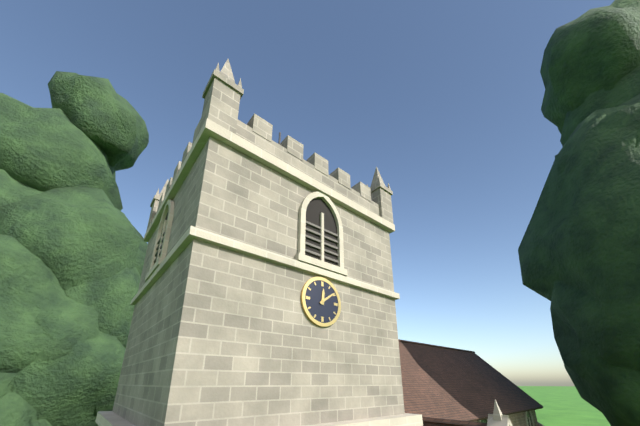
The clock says **12:09**
